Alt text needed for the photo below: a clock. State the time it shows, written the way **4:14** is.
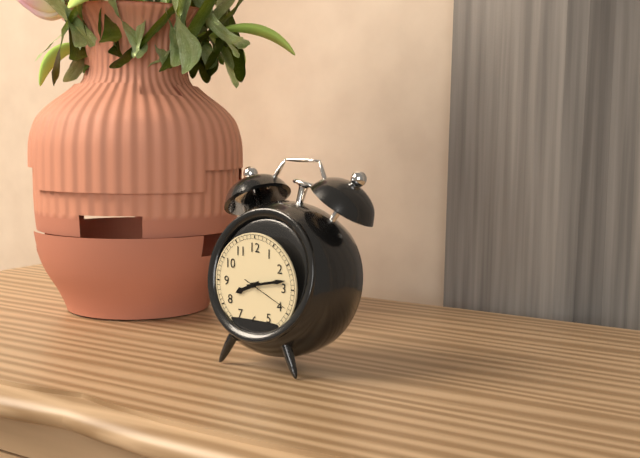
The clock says **8:13**
